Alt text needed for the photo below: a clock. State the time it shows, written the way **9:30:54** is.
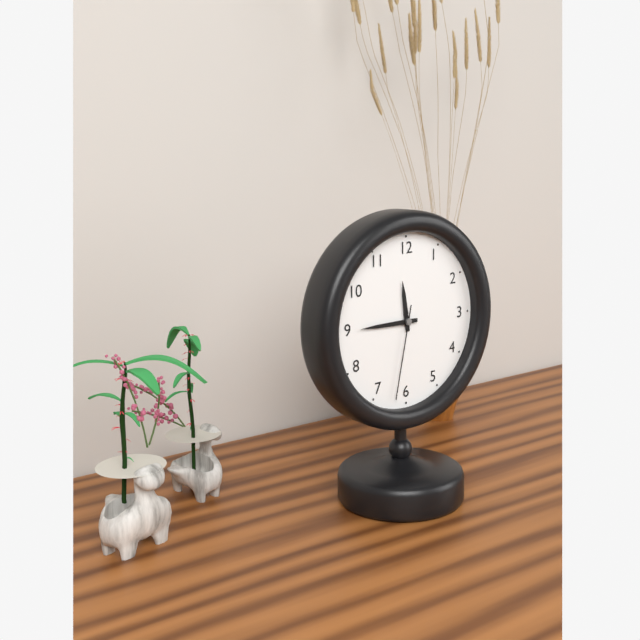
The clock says **11:45:32**
